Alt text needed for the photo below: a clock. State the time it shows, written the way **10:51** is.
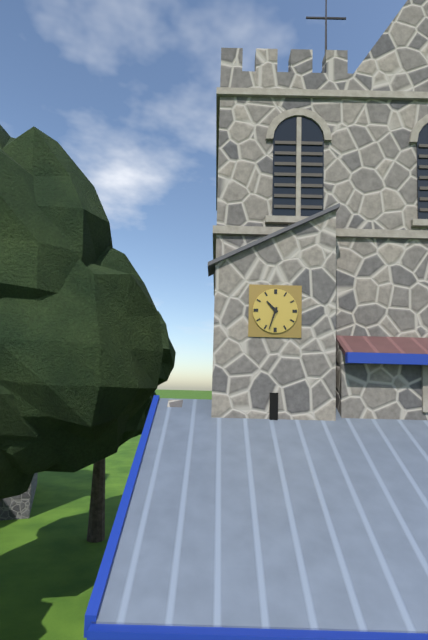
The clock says **10:33**
